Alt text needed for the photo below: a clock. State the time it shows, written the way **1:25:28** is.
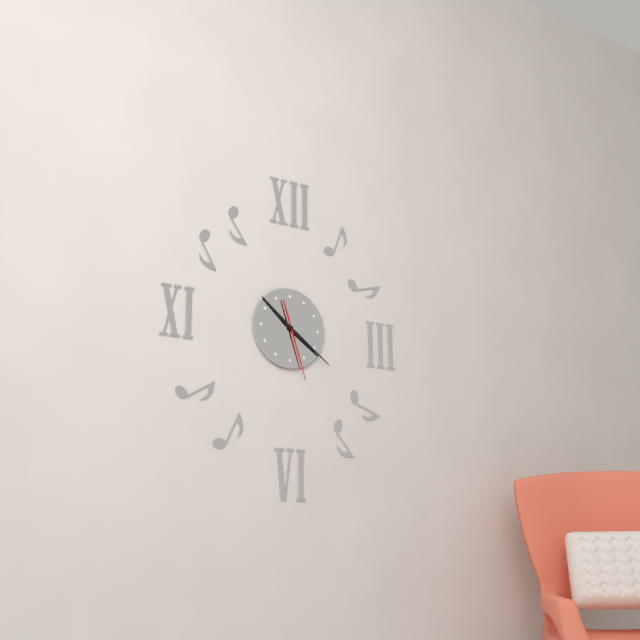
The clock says **10:21:27**
